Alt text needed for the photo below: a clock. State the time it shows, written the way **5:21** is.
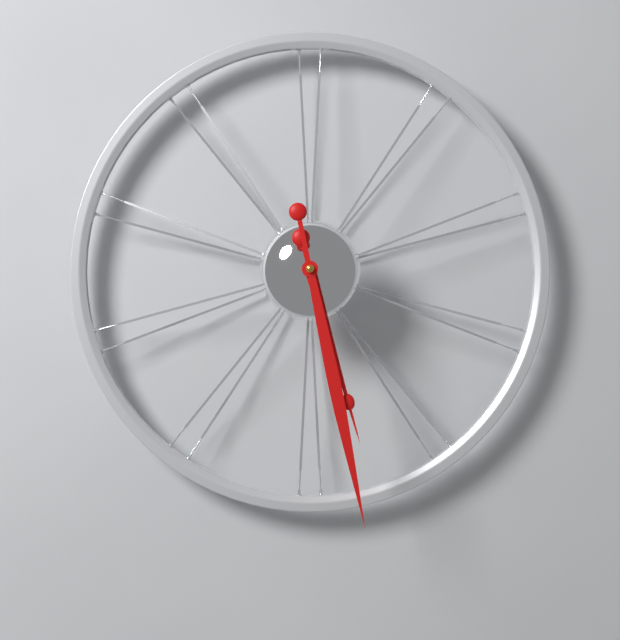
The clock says **5:28**
